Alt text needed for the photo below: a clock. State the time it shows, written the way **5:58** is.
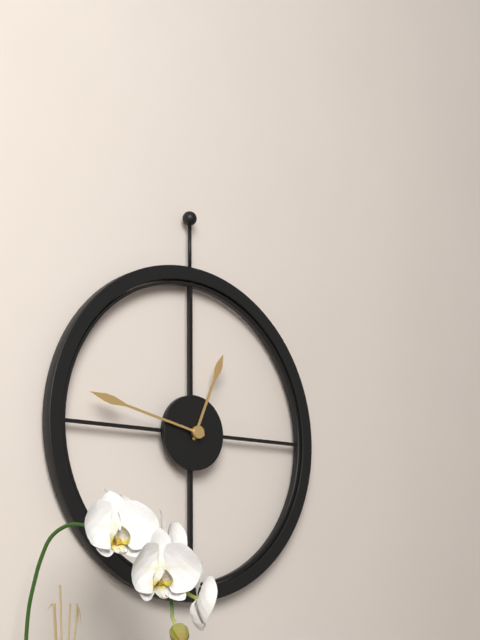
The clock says **12:47**
